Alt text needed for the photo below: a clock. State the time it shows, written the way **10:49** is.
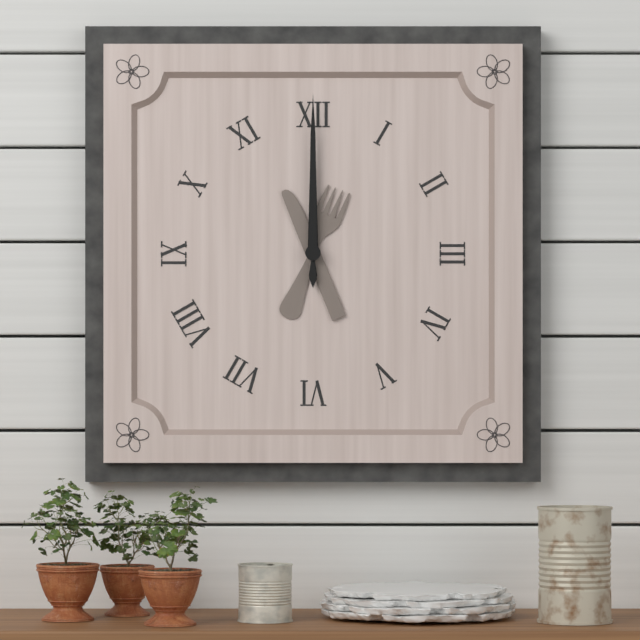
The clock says **12:00**
